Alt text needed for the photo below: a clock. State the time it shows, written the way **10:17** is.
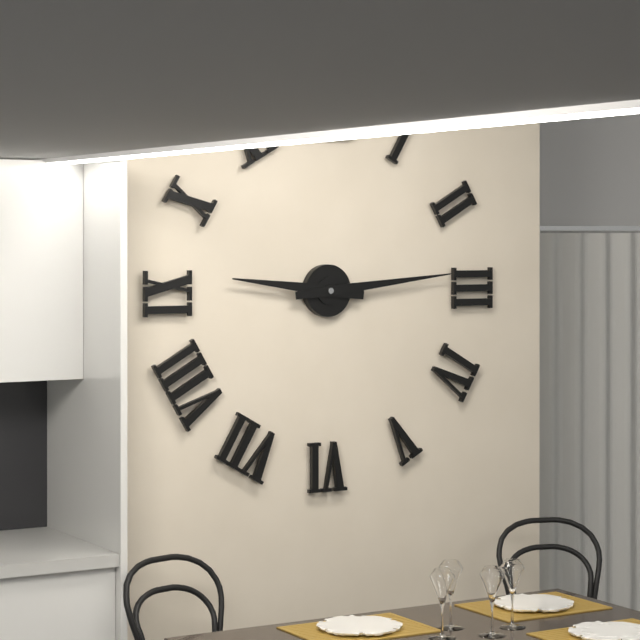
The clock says **9:14**
